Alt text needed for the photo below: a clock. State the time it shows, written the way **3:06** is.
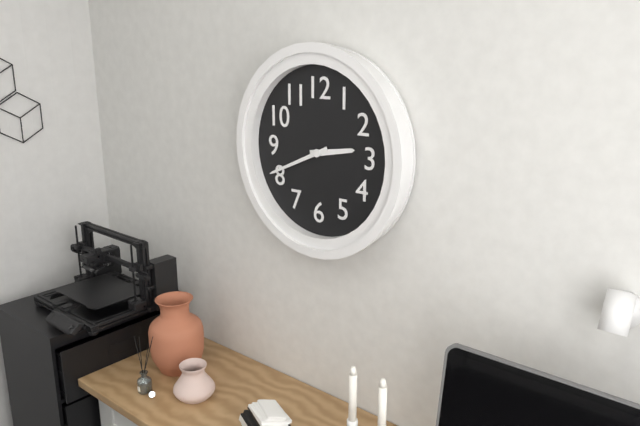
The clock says **2:41**
